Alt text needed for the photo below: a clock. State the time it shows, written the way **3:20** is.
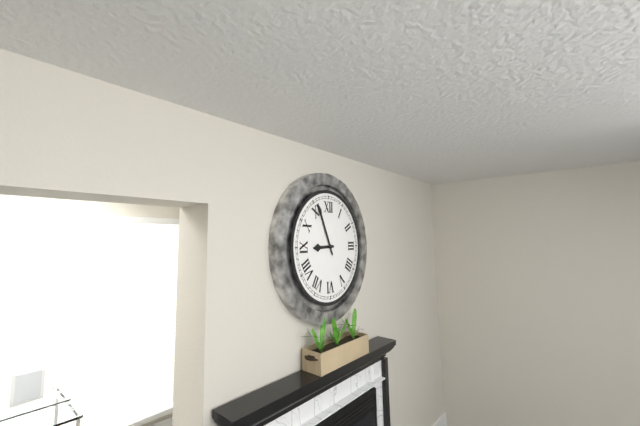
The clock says **8:56**
